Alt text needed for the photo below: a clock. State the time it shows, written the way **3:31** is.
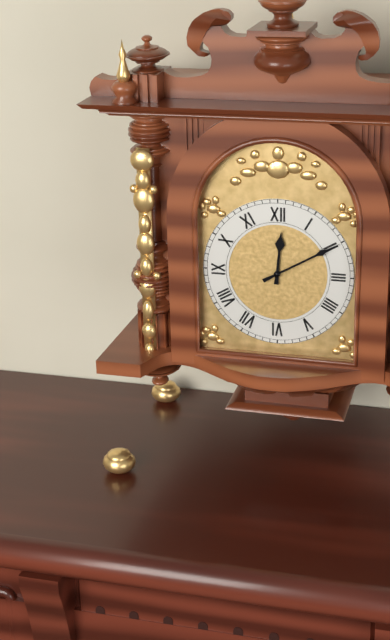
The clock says **12:10**
